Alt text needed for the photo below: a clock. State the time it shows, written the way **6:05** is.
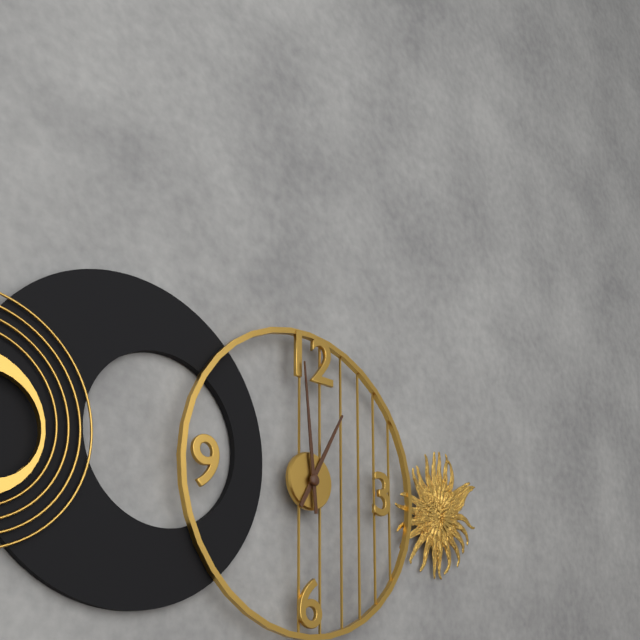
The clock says **12:59**
